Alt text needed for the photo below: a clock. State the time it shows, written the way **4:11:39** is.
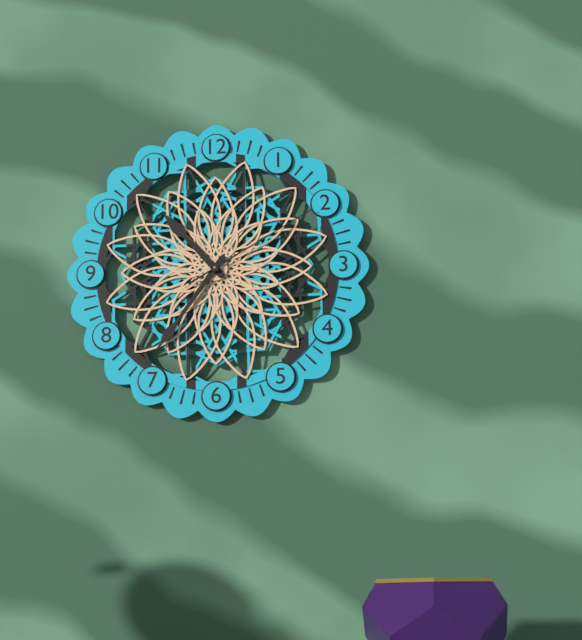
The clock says **10:36:10**
